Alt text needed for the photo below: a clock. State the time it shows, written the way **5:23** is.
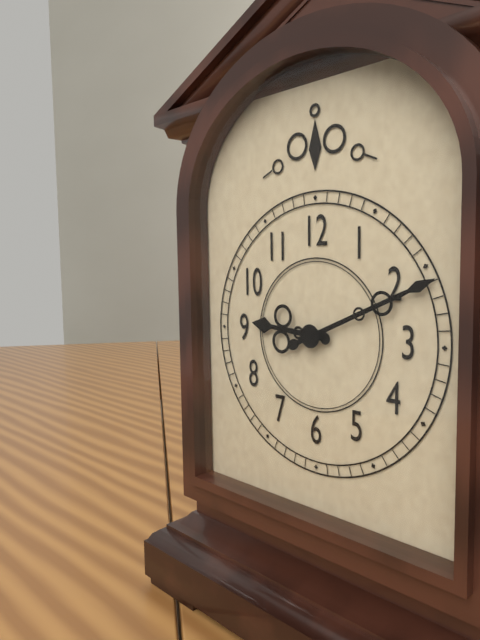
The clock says **9:11**
